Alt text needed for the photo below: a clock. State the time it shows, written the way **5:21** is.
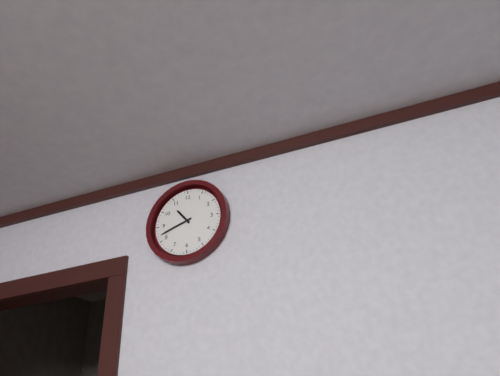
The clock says **10:42**
